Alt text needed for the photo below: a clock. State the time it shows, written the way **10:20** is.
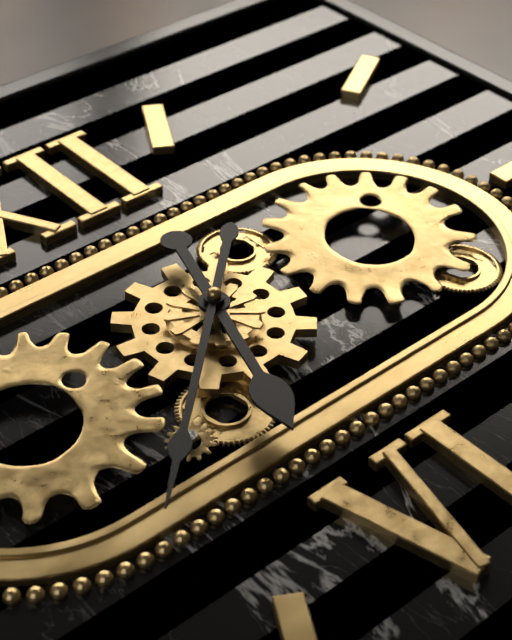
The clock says **6:38**
